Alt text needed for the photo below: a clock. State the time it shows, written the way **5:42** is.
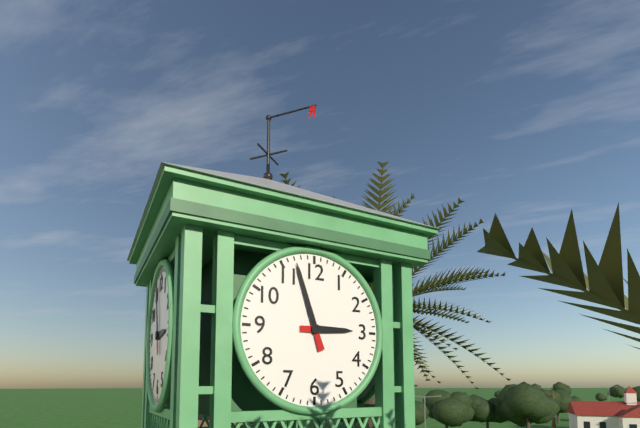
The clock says **2:57**
